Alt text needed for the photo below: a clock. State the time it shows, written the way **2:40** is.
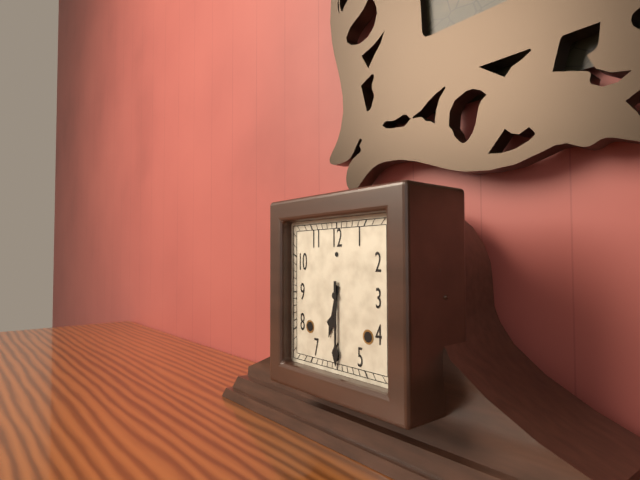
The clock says **6:30**
